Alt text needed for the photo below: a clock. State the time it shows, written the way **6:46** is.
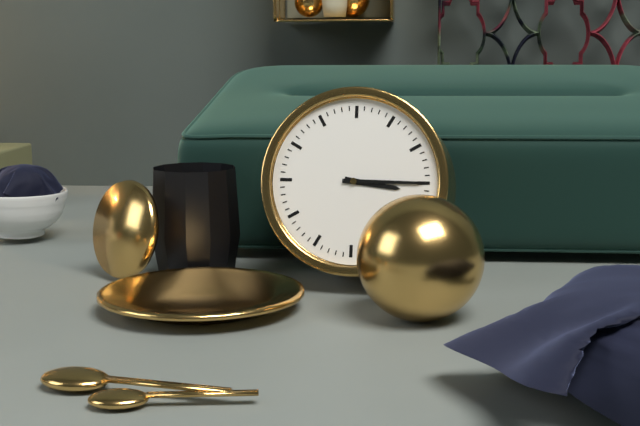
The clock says **3:15**
